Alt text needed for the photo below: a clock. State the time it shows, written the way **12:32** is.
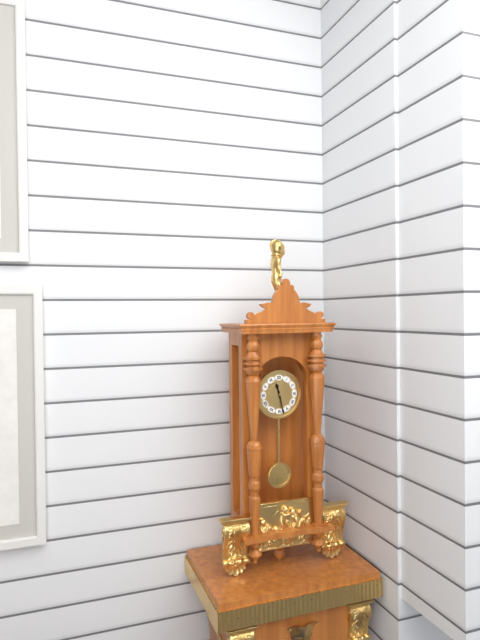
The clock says **11:28**
